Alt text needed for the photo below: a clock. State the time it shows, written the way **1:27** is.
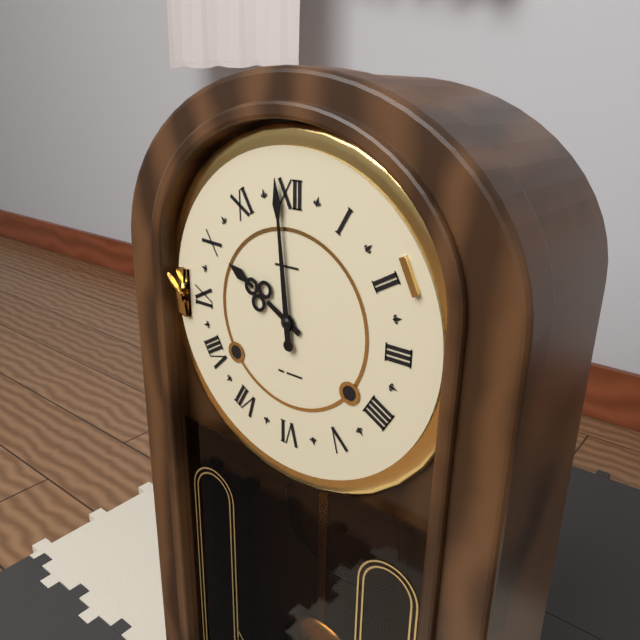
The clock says **9:59**
